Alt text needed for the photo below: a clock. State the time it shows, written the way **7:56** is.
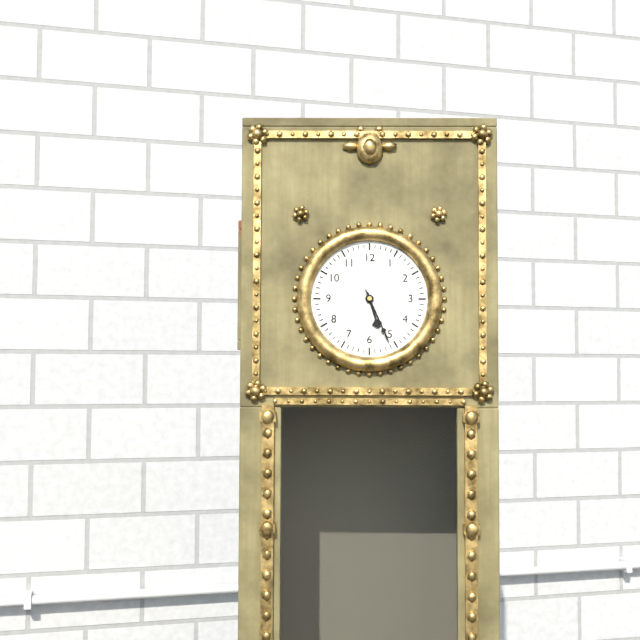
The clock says **5:26**
